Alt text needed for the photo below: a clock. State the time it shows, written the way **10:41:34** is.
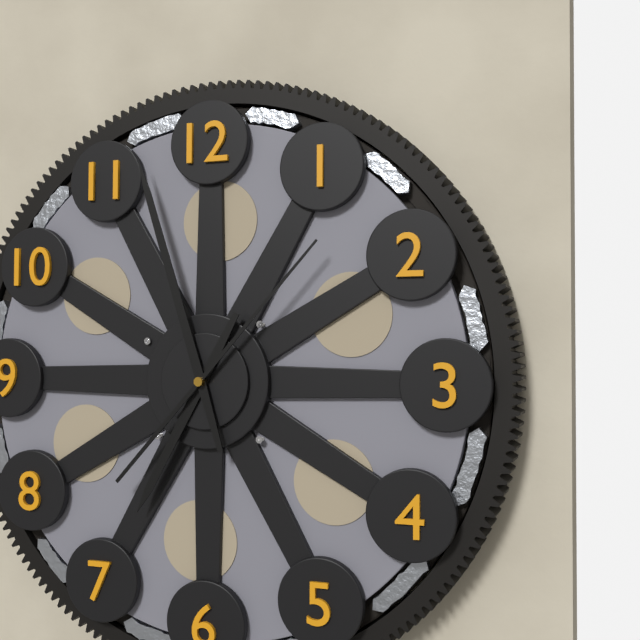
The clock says **6:57:07**
